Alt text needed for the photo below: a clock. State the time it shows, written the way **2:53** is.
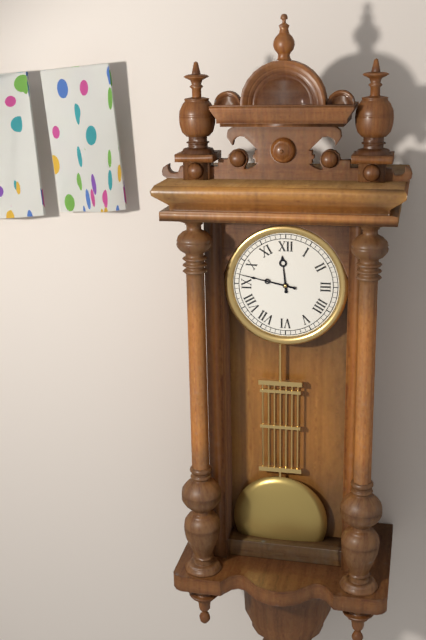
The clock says **11:47**
